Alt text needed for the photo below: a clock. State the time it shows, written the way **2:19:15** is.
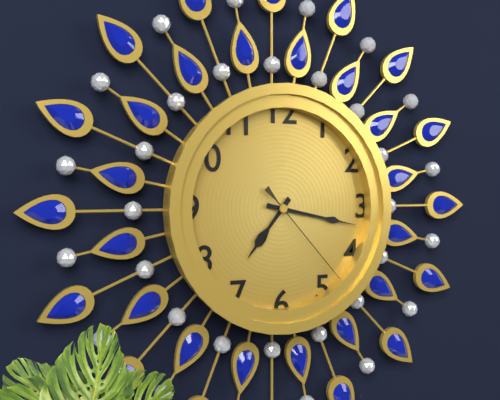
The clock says **7:17:23**
